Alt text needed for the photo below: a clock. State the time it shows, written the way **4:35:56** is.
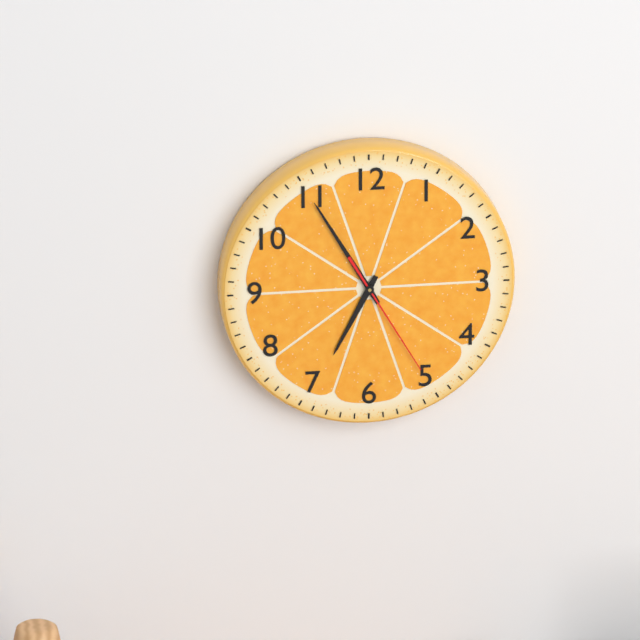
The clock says **6:55:25**
